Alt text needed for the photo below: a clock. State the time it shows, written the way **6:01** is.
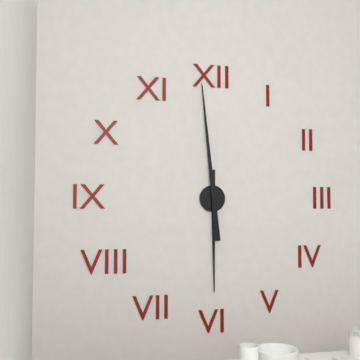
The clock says **5:59**
